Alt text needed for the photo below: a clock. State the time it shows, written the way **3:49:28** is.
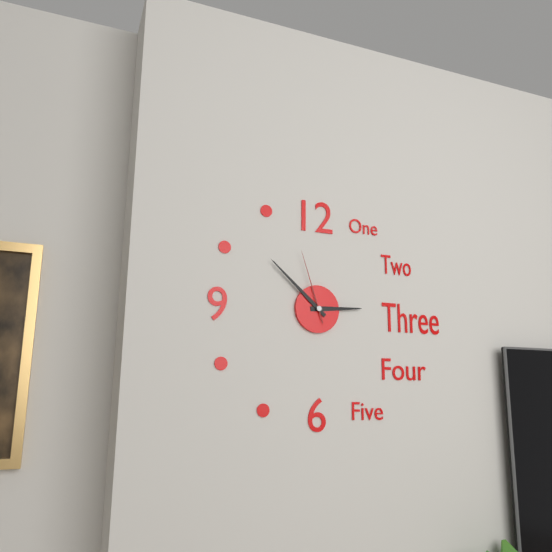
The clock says **2:52:57**
